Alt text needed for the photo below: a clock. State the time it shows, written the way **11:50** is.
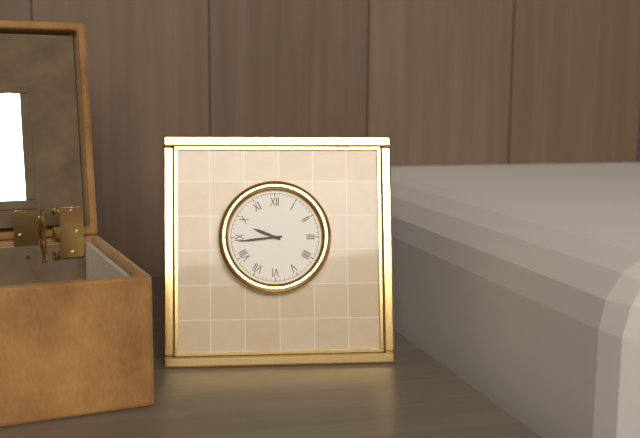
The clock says **9:44**
